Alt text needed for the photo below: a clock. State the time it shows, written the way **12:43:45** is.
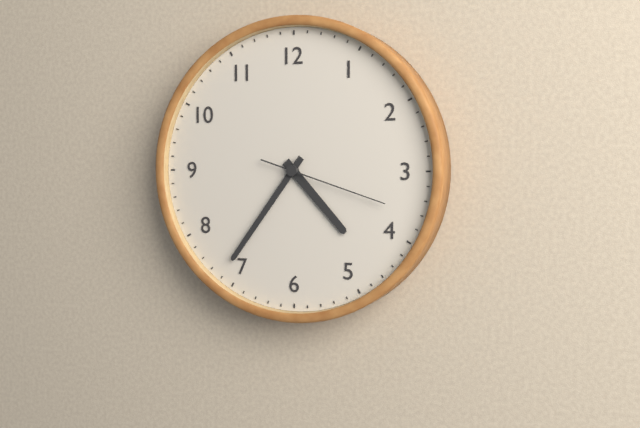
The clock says **4:36:18**
